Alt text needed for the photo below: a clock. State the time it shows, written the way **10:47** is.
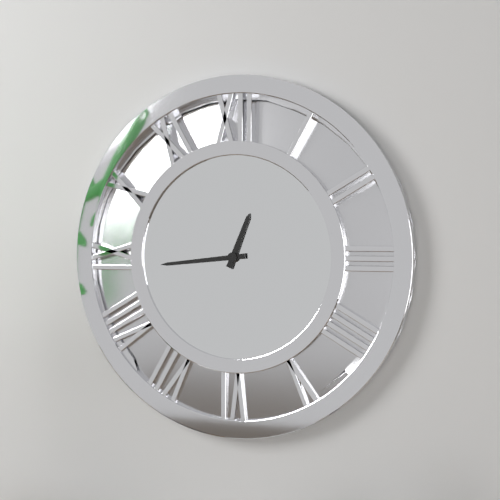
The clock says **12:44**
